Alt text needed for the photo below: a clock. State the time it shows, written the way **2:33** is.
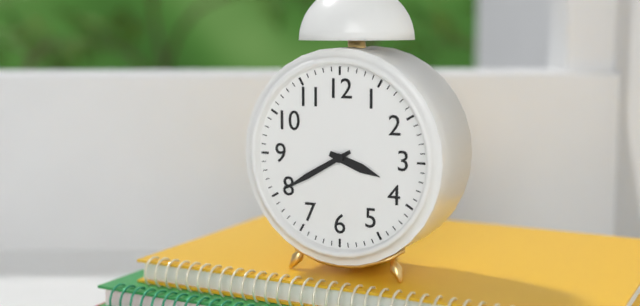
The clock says **3:40**
